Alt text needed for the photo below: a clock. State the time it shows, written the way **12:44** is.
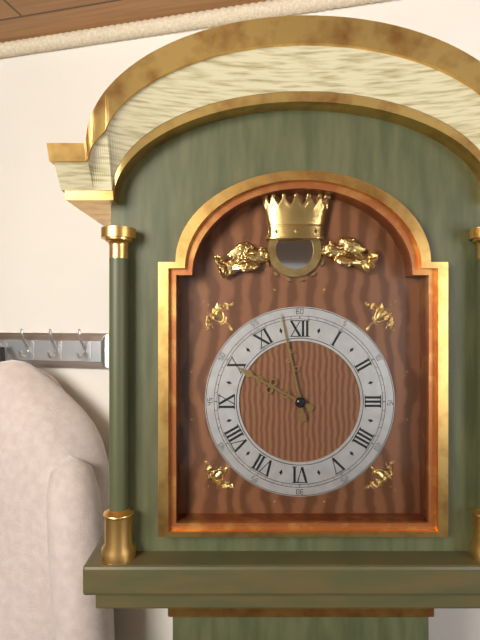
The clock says **9:58**
